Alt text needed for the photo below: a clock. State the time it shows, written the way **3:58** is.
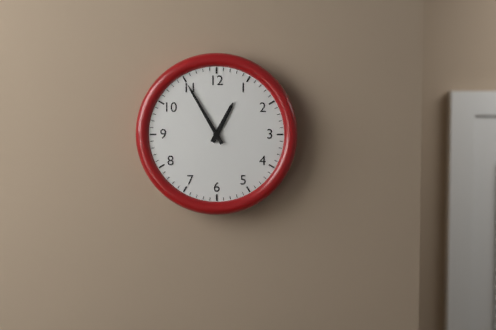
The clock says **12:55**
